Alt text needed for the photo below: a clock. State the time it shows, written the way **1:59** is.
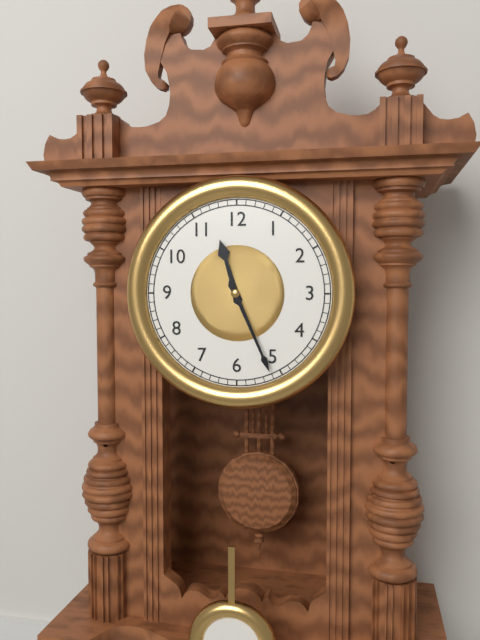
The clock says **11:26**
